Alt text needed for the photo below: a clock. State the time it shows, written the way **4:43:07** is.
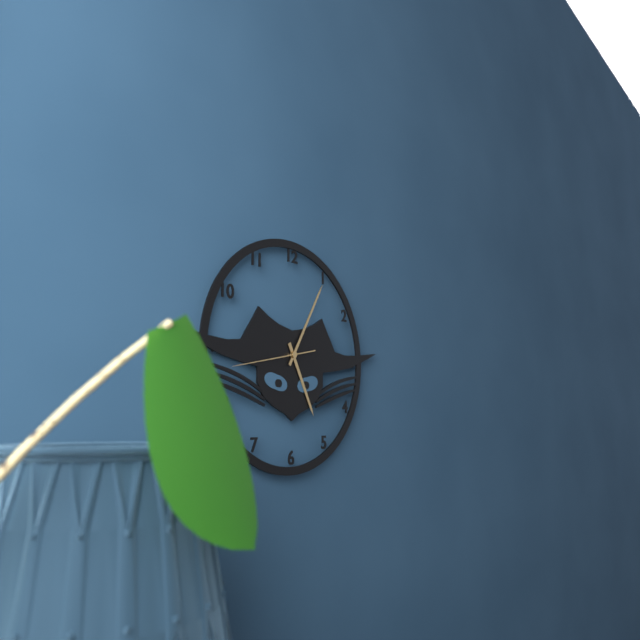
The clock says **5:05:43**
